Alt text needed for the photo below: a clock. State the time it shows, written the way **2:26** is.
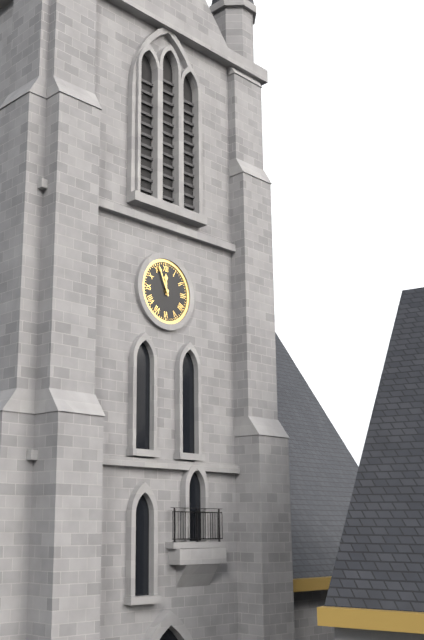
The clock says **11:56**
